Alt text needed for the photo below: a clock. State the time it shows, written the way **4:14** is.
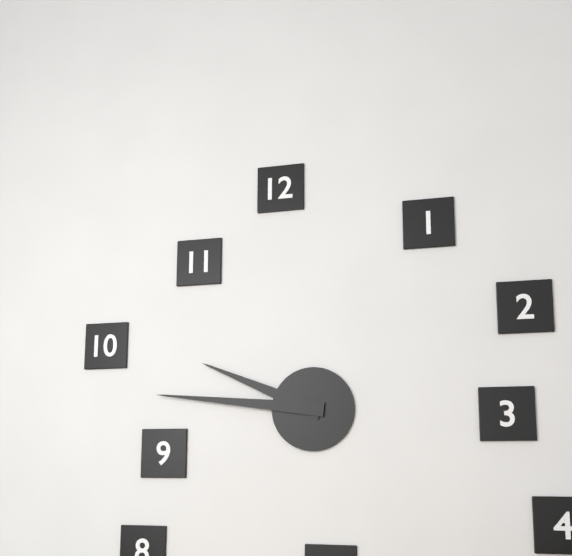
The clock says **9:46**
